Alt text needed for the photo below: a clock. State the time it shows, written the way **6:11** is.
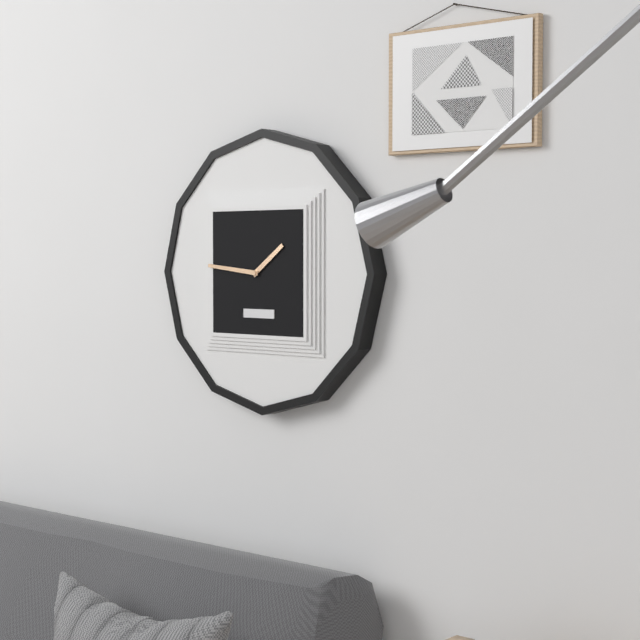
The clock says **1:46**
